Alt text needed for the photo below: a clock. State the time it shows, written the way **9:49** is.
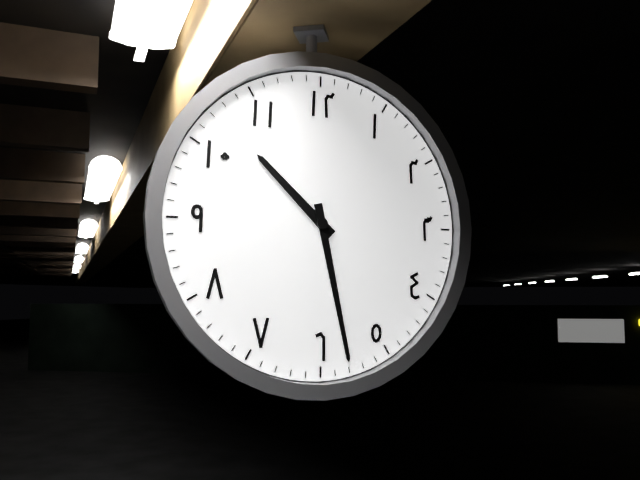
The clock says **10:28**
